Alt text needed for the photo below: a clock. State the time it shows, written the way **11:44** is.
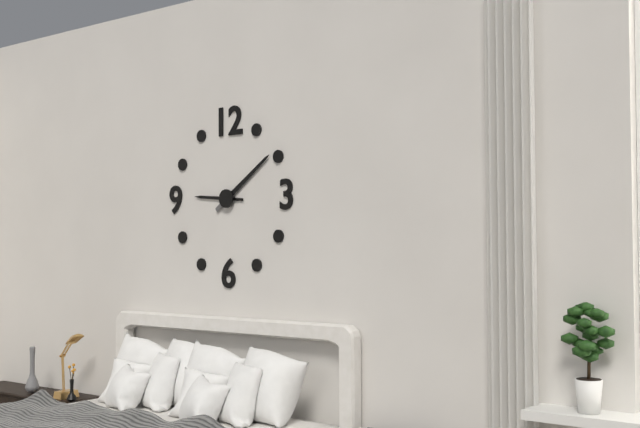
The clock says **9:09**
